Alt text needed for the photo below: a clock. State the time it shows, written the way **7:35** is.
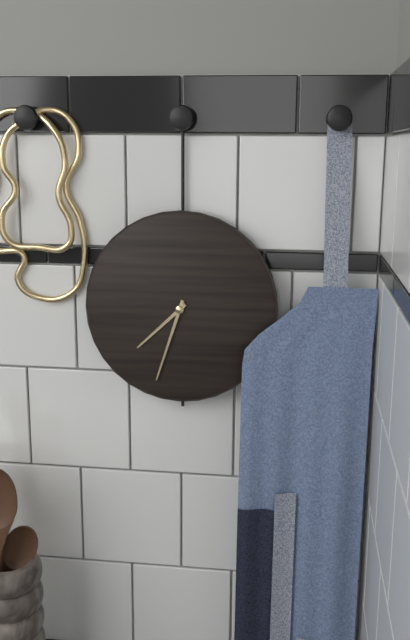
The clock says **7:33**
